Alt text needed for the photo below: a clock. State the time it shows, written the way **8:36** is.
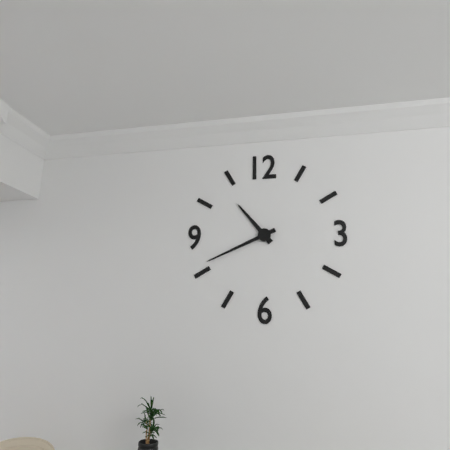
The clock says **10:41**
